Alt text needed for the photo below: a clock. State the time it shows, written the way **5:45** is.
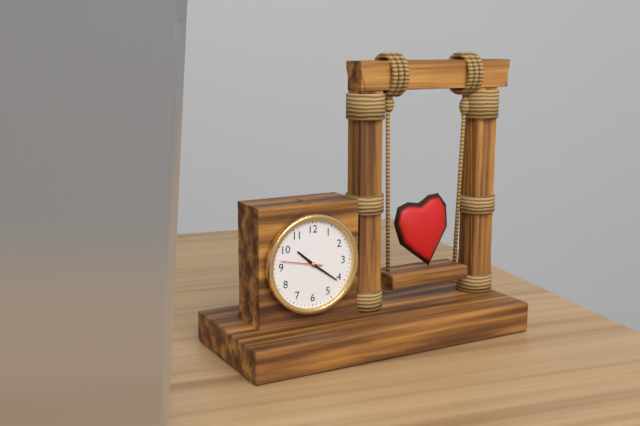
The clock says **10:21**
